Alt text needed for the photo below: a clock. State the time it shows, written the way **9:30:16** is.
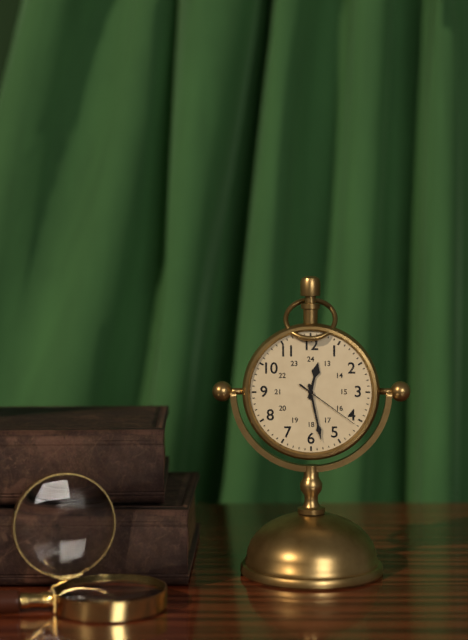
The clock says **12:28:21**
